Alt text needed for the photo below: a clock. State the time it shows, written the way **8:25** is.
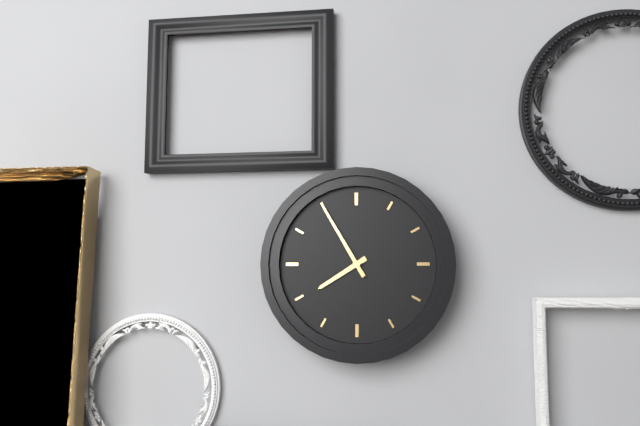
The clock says **7:55**
